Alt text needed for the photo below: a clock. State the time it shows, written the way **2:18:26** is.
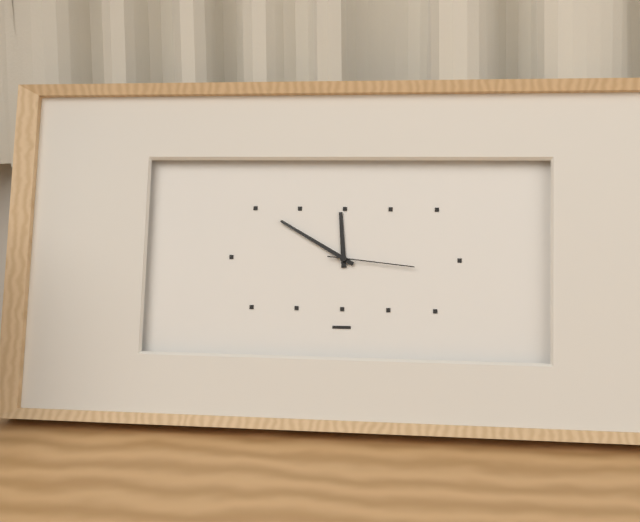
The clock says **11:50:16**
